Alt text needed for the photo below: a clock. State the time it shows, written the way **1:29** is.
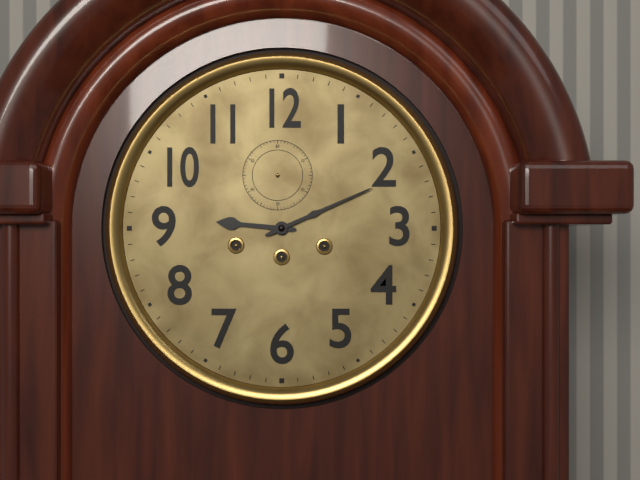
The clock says **9:11**
